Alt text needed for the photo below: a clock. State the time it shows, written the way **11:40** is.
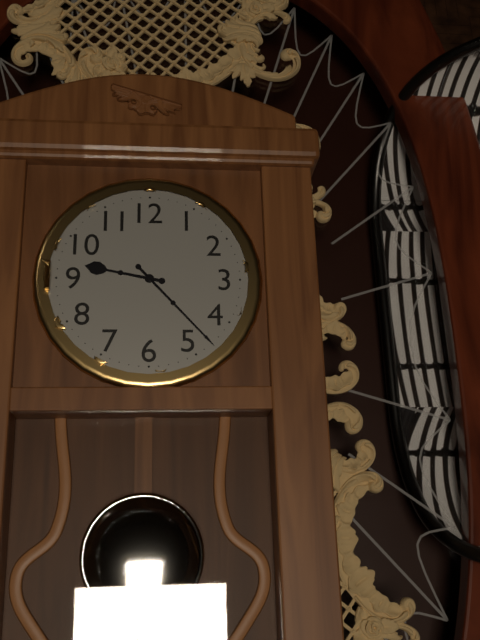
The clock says **9:23**
